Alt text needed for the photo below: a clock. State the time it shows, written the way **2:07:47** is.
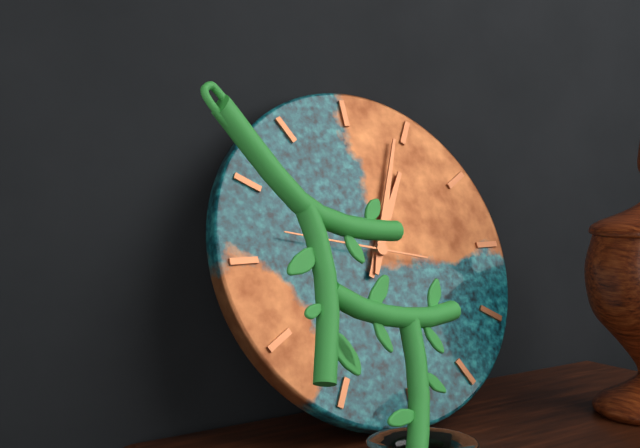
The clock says **1:04:47**
